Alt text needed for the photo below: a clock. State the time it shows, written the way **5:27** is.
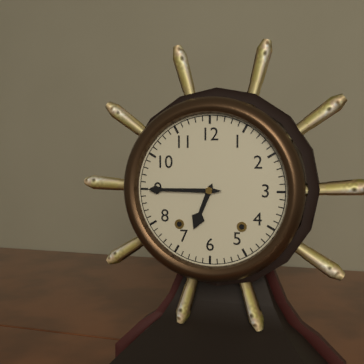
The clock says **6:45**
